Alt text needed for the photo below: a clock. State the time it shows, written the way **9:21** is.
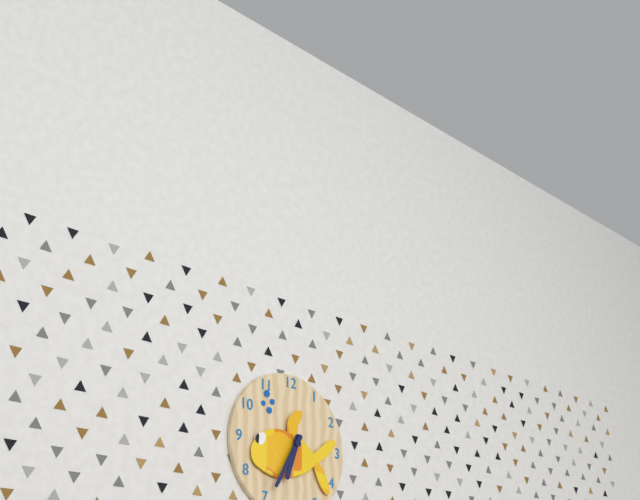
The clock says **6:35**
